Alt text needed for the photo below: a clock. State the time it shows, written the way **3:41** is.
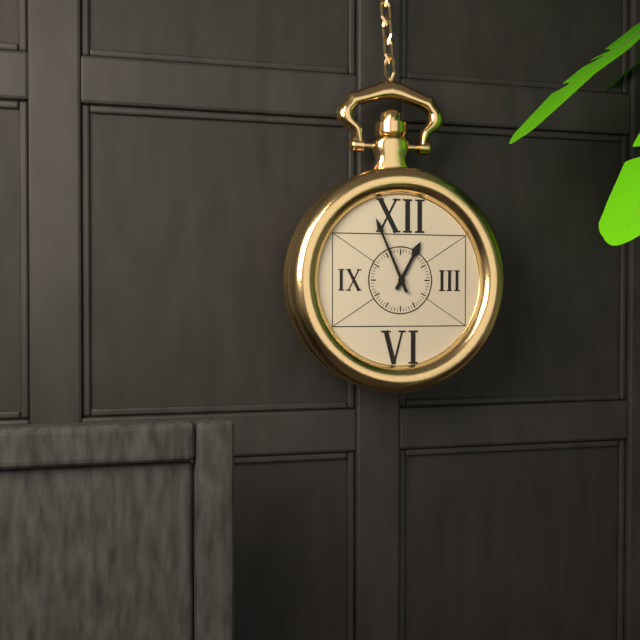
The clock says **12:56**
